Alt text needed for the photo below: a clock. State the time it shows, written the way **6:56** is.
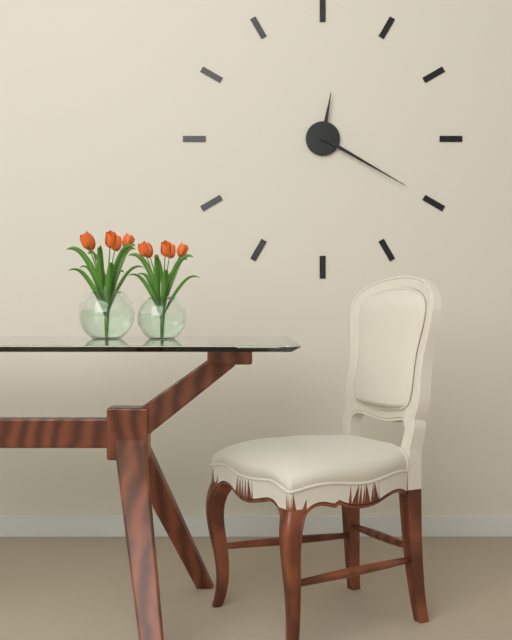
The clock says **12:20**
